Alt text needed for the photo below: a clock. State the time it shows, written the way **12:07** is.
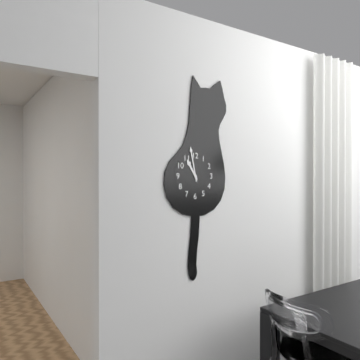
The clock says **10:58**
